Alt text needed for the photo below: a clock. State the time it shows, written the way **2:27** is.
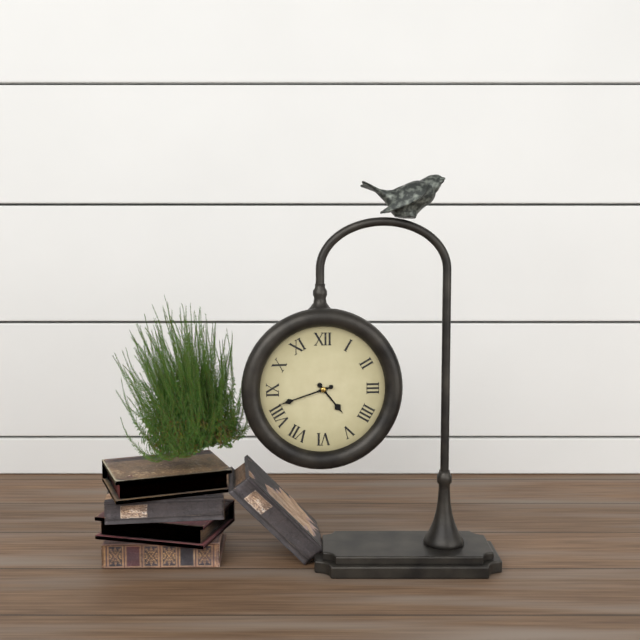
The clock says **4:42**
